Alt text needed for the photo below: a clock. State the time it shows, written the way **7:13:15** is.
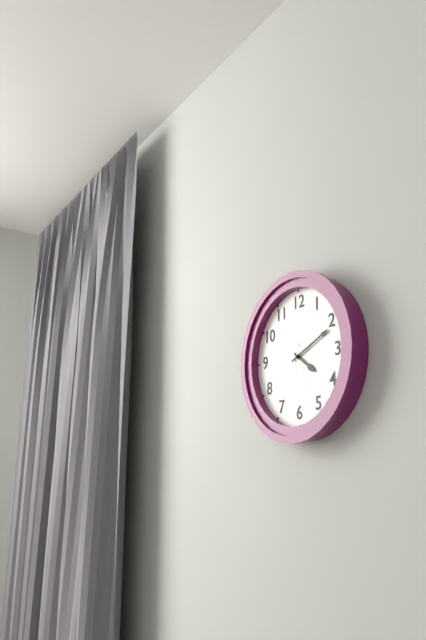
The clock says **4:11:28**
